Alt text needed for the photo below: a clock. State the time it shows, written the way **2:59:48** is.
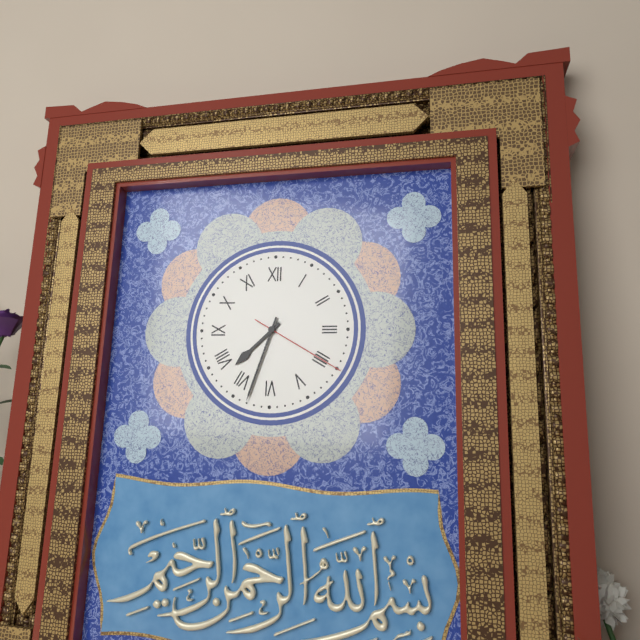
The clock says **7:33:20**
